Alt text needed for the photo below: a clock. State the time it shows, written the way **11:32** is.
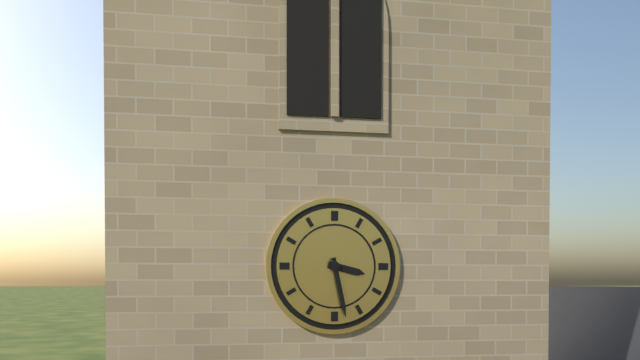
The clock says **3:28**
